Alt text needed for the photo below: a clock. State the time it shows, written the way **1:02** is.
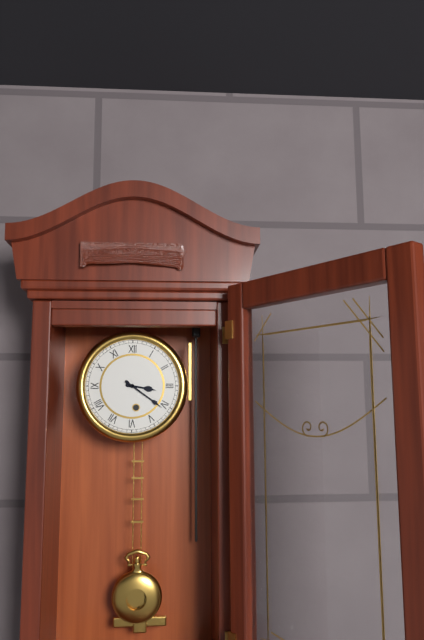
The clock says **3:21**
